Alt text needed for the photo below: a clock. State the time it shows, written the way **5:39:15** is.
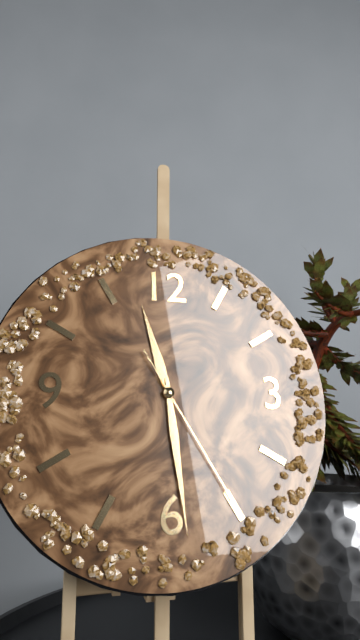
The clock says **11:29:25**
